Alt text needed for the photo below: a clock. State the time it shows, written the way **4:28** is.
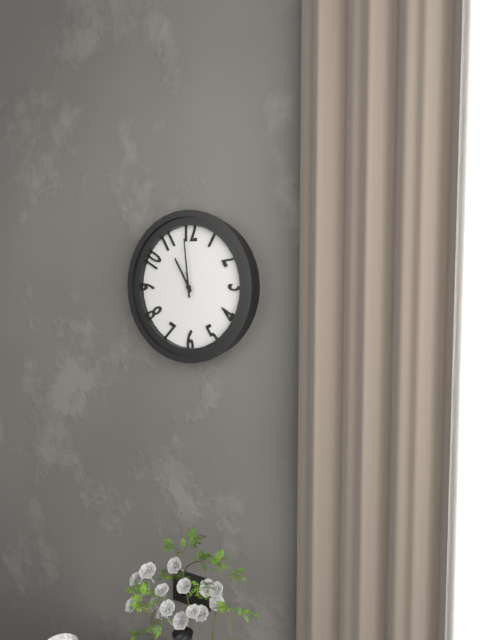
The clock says **10:59**
